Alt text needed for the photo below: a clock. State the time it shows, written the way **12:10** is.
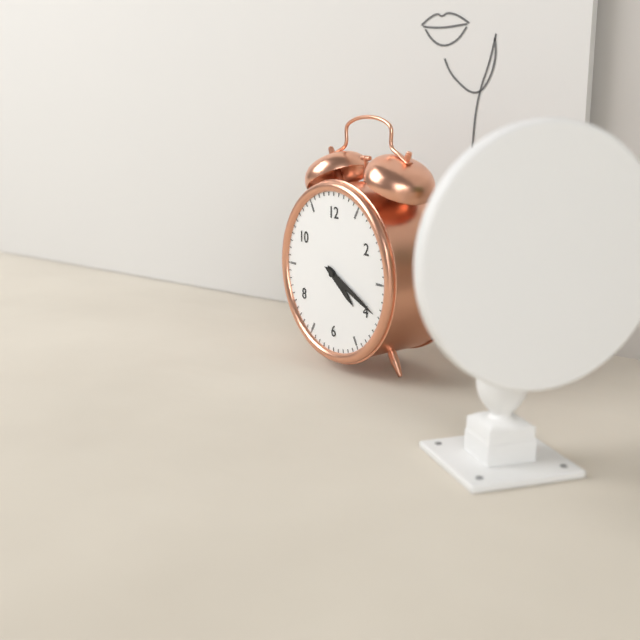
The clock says **4:19**
